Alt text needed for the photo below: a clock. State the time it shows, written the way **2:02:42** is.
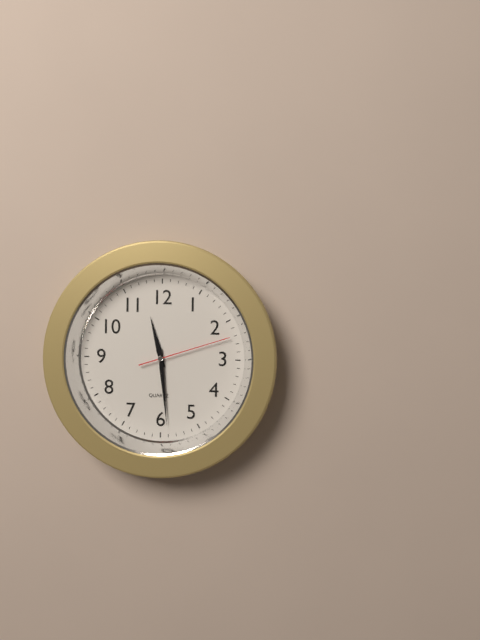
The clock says **11:29:12**
